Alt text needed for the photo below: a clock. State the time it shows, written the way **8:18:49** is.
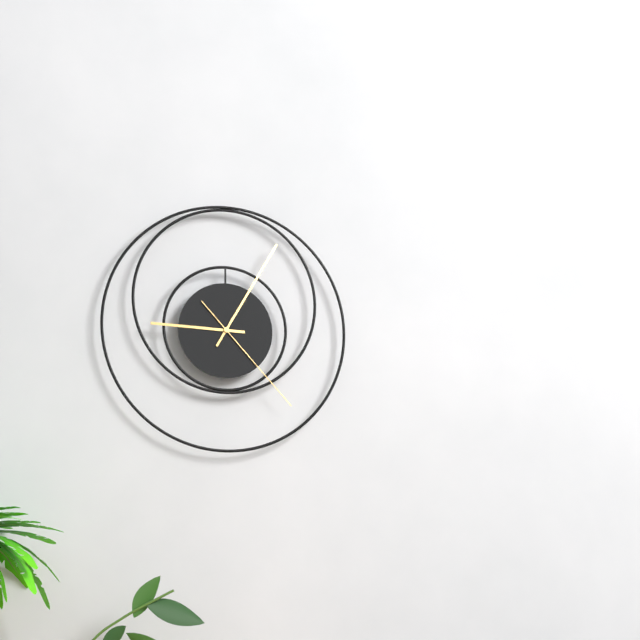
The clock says **9:05:23**
